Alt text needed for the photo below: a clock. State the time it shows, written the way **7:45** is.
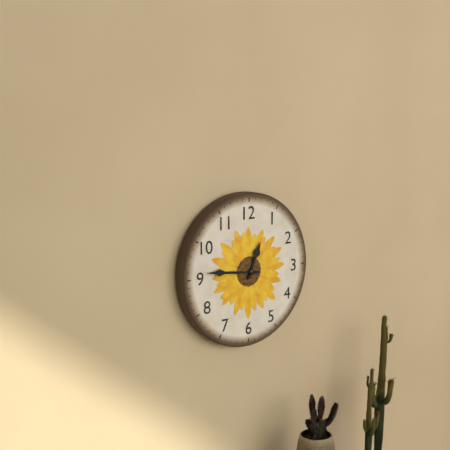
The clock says **12:46**
